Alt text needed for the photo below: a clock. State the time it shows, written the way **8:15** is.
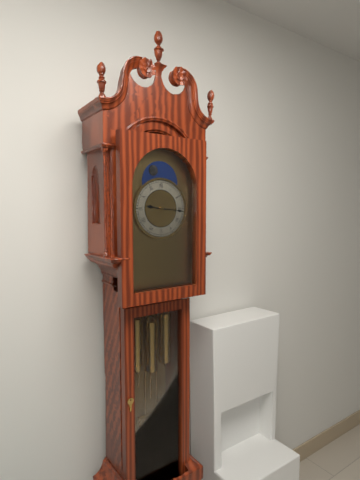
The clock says **9:16**
